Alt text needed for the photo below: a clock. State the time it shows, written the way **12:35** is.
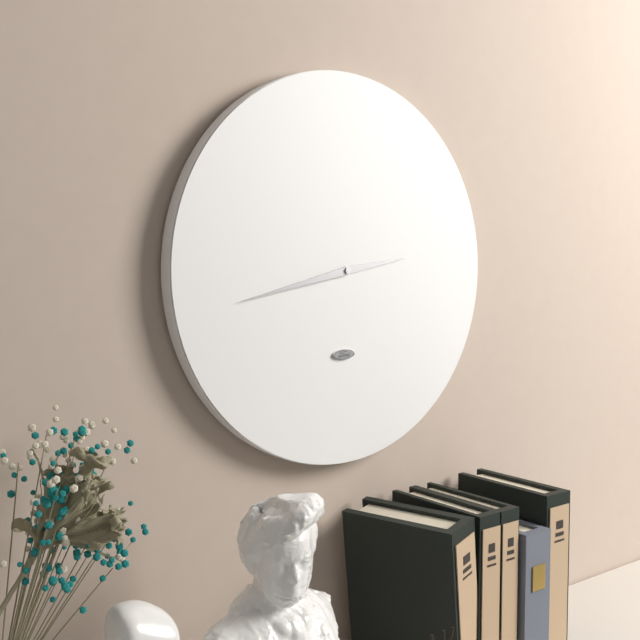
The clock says **2:43**
